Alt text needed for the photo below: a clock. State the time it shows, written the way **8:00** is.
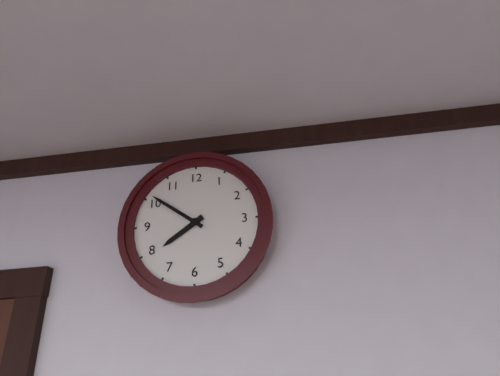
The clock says **7:51**
